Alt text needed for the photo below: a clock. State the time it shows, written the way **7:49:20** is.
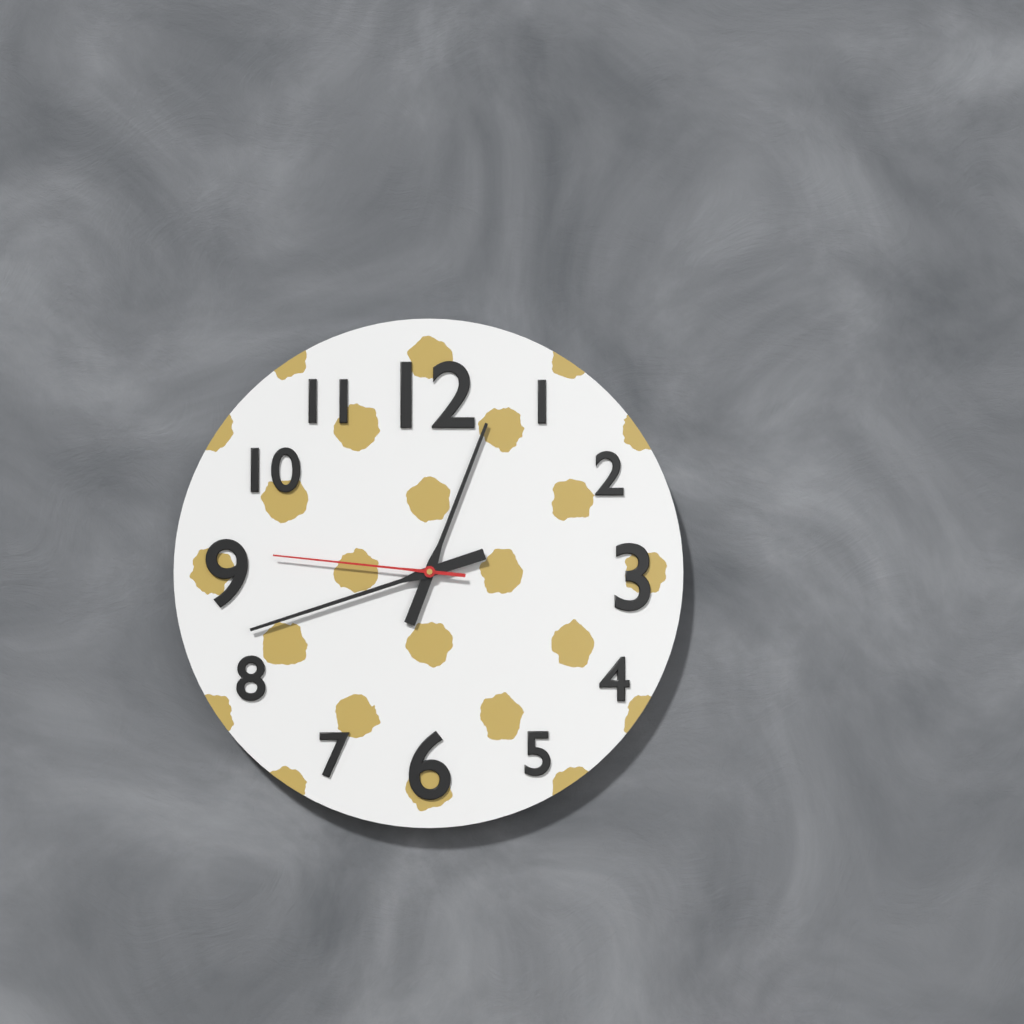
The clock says **12:42:46**
